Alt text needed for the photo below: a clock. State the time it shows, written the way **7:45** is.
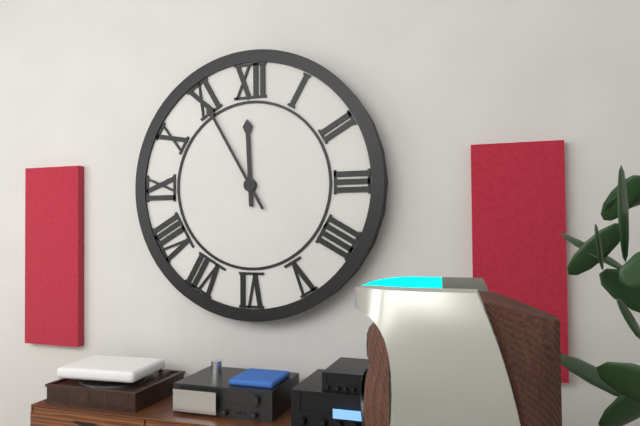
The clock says **11:55**
